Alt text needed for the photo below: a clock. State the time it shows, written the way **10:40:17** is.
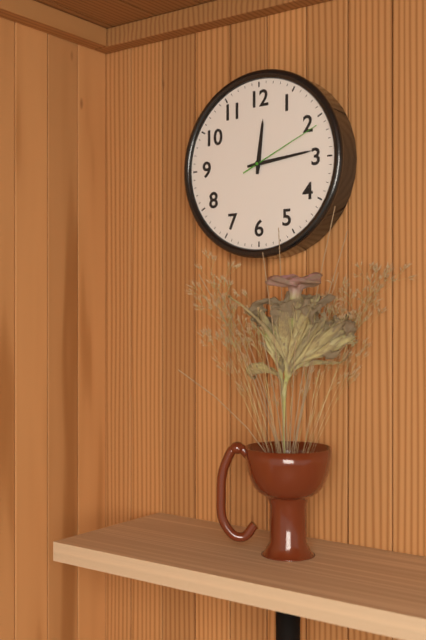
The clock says **12:14:11**
